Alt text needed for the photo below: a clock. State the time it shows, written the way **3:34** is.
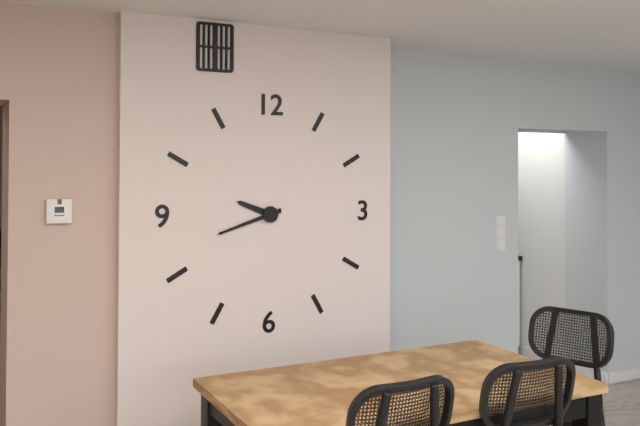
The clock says **9:42**
